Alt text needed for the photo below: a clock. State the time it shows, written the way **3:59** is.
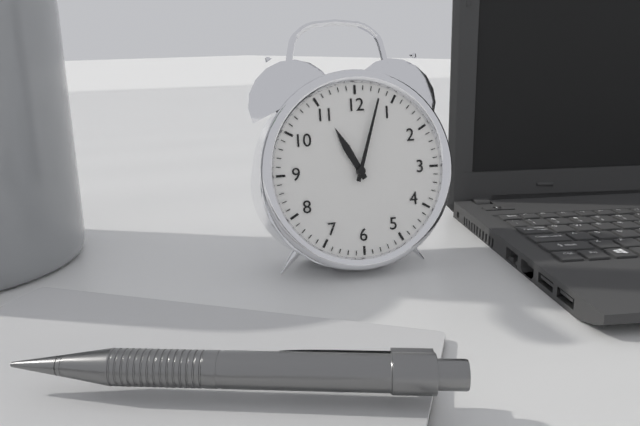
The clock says **11:03**
